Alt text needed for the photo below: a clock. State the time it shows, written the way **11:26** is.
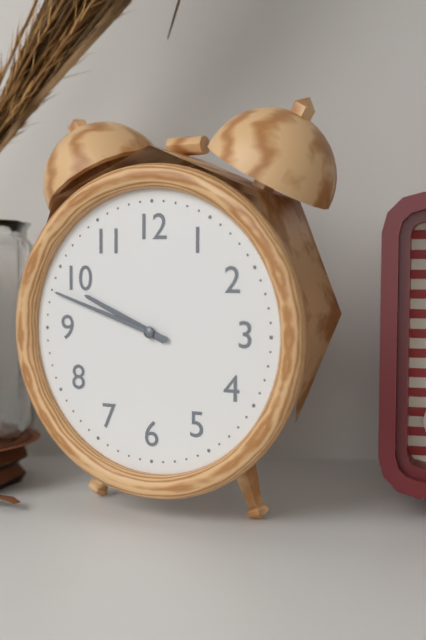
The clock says **9:48**
